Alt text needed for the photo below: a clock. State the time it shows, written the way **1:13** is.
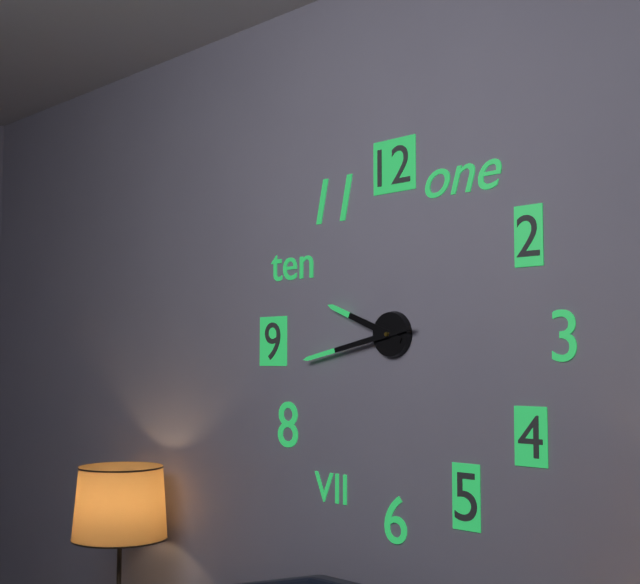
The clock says **9:43**
